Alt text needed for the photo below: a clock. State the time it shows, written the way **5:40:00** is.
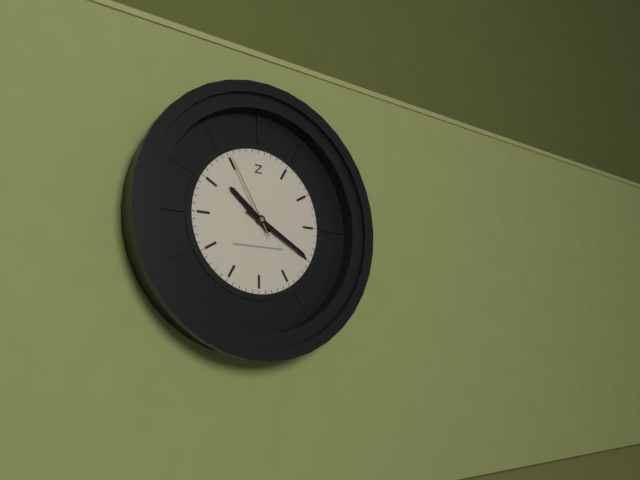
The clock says **10:20:55**
